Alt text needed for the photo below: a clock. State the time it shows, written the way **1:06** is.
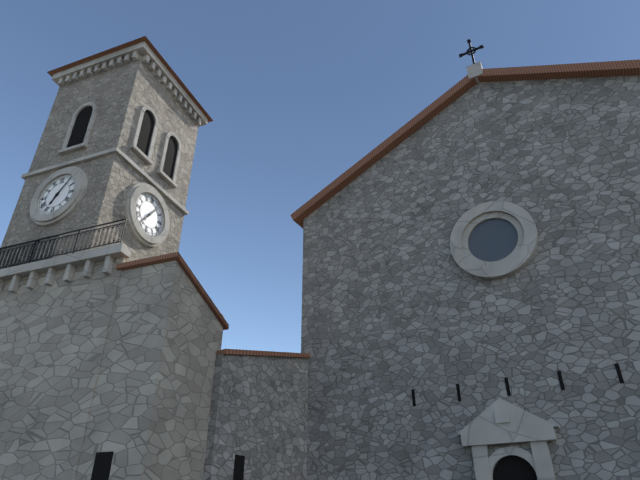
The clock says **7:06**
